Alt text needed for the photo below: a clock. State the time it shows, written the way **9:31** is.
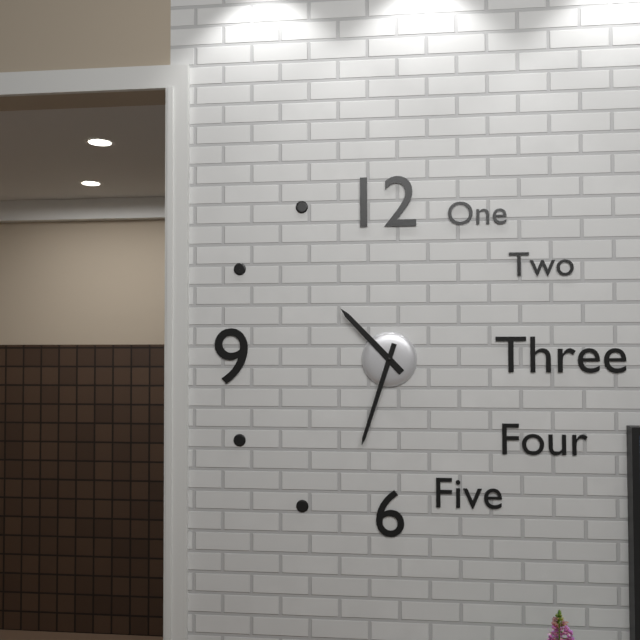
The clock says **10:33**
